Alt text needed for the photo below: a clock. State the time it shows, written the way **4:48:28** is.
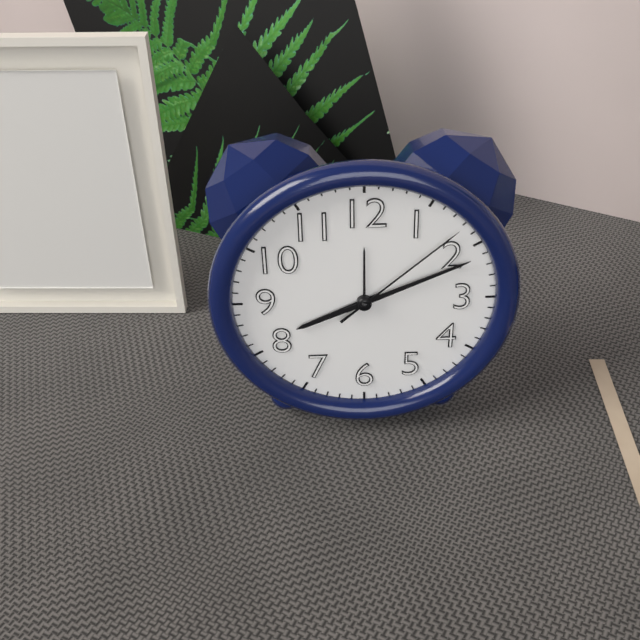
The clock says **8:11:08**
